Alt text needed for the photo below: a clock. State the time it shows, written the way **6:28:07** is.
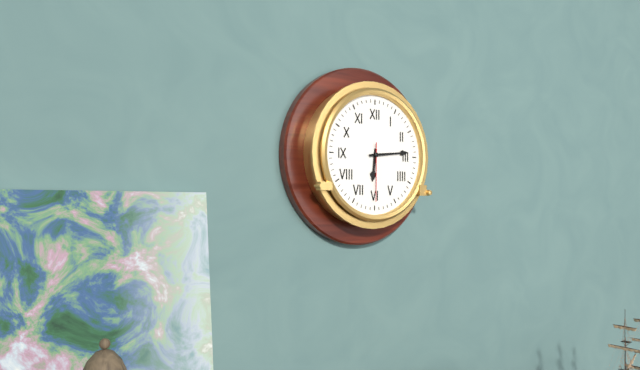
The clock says **6:14:30**
